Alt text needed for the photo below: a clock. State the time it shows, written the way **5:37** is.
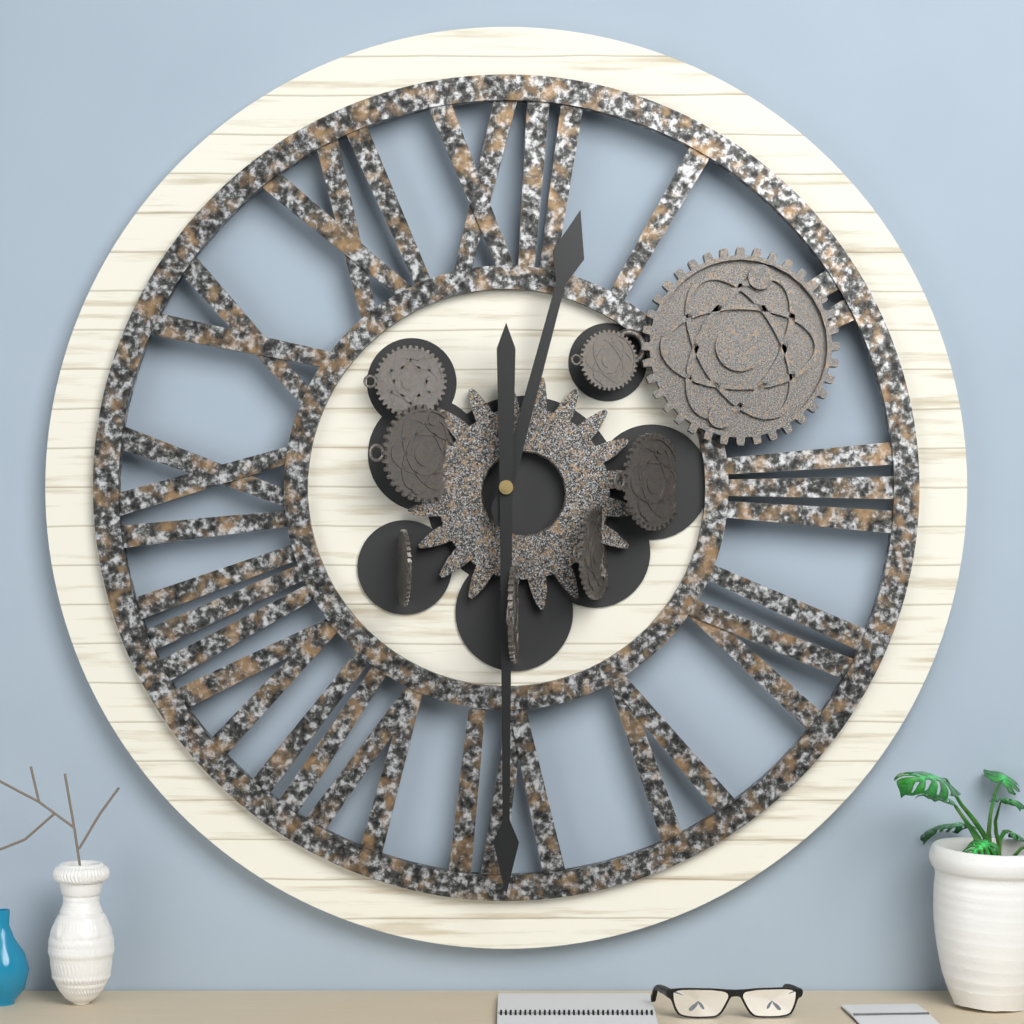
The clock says **12:30**
